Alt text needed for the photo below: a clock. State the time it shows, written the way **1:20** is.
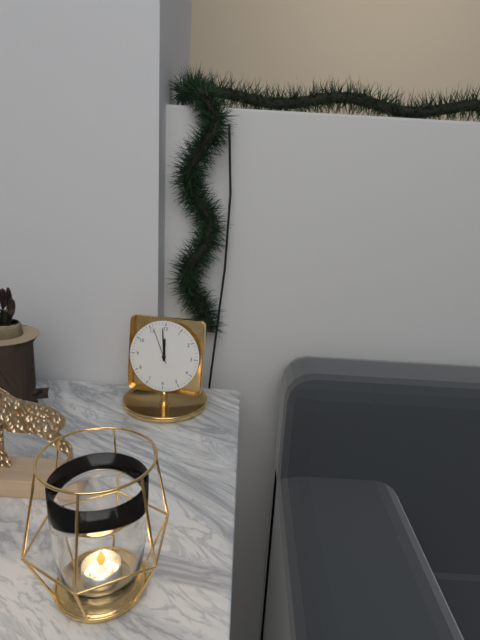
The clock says **11:59**
